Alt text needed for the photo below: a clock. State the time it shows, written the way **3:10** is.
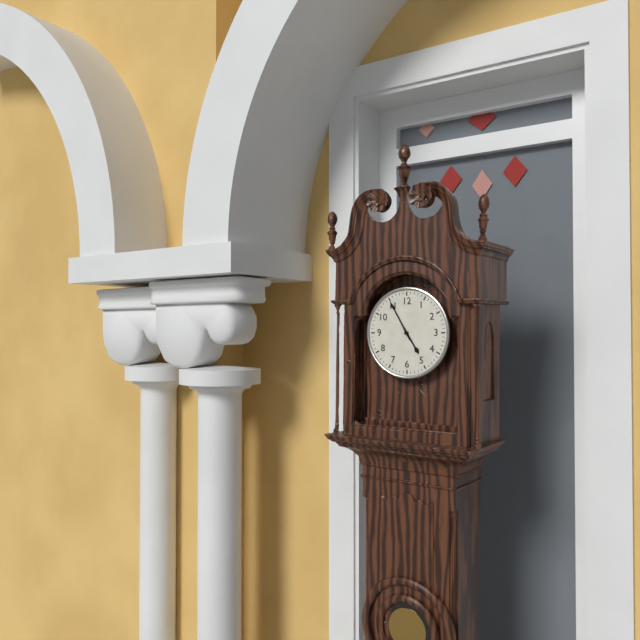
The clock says **4:55**
